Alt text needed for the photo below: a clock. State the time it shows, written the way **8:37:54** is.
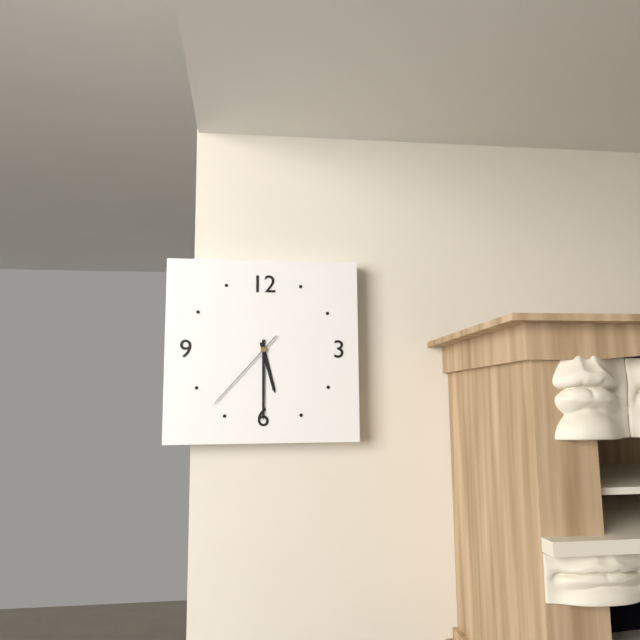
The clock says **5:30:37**
